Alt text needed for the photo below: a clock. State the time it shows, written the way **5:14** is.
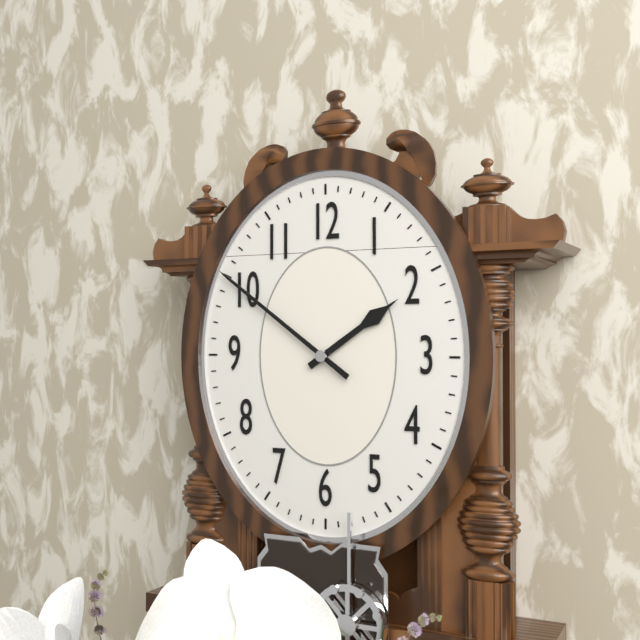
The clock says **1:51**
